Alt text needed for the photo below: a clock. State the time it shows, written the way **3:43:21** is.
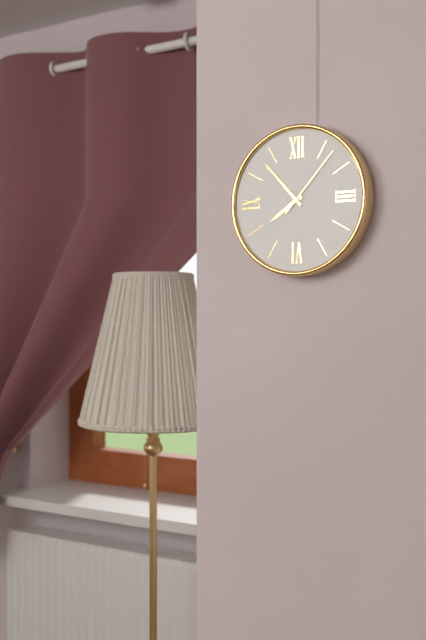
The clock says **7:53:07**
